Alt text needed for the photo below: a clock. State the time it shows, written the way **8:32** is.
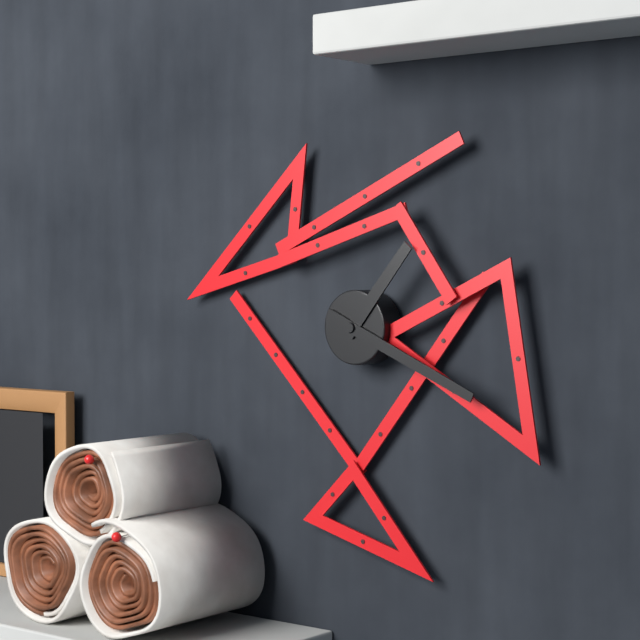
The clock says **1:19**
